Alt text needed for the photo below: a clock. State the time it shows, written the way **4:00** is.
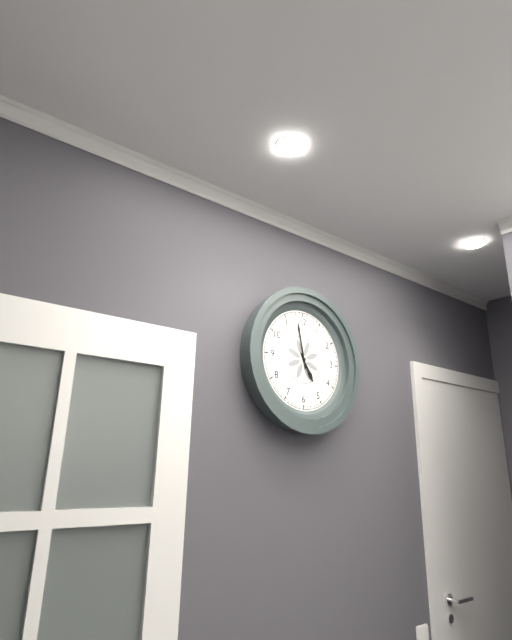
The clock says **4:58**
